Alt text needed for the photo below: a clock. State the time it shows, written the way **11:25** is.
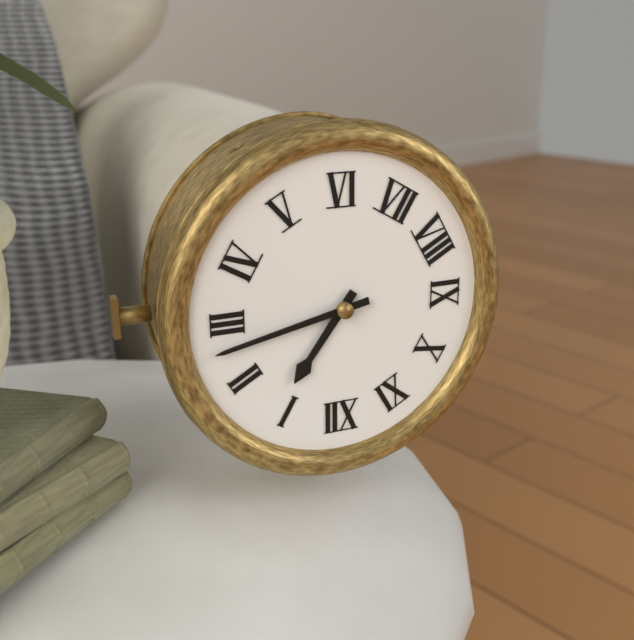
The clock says **1:13**
